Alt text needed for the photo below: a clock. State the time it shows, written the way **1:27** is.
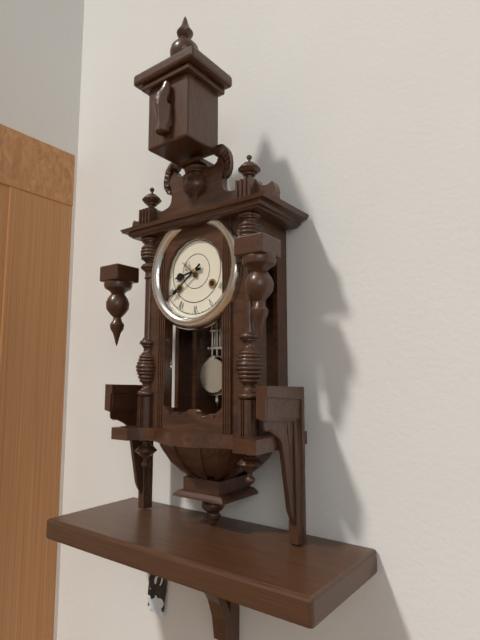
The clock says **8:39**
